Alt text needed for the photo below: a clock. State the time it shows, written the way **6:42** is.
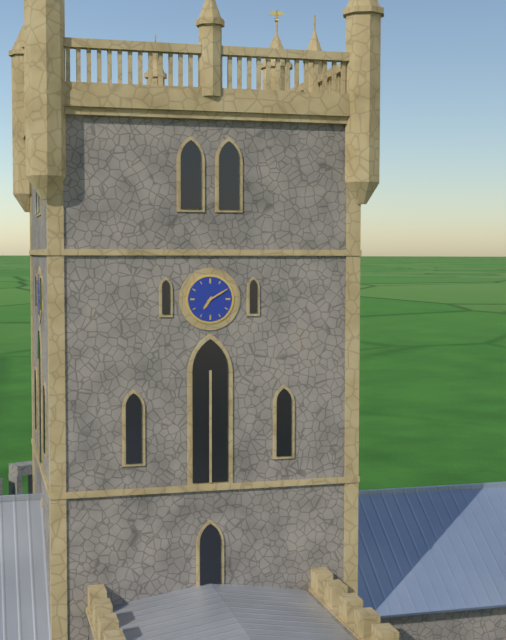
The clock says **7:10**
